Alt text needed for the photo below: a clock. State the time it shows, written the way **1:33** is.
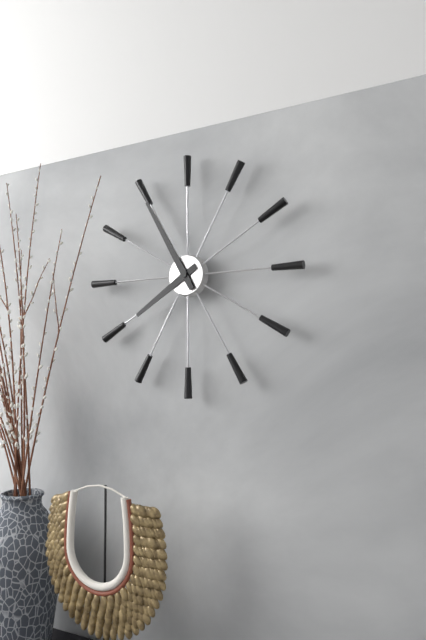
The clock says **7:55**
